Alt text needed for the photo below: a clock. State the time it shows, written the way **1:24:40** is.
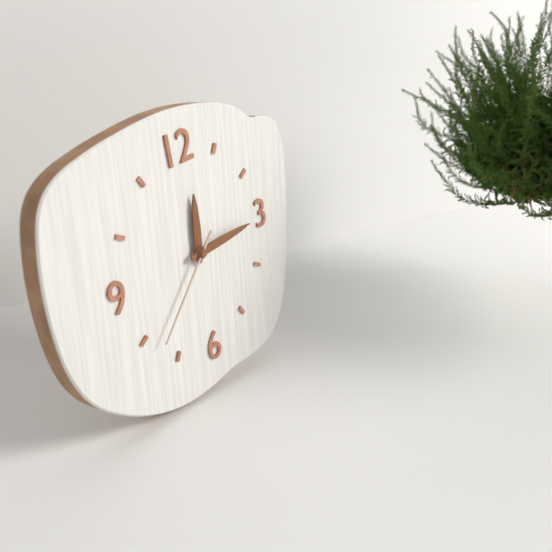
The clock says **12:15:38**
